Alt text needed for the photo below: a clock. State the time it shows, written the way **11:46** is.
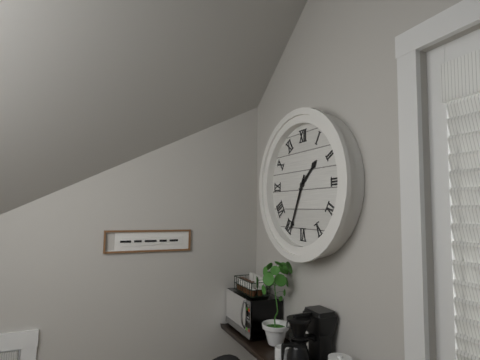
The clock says **1:34**
